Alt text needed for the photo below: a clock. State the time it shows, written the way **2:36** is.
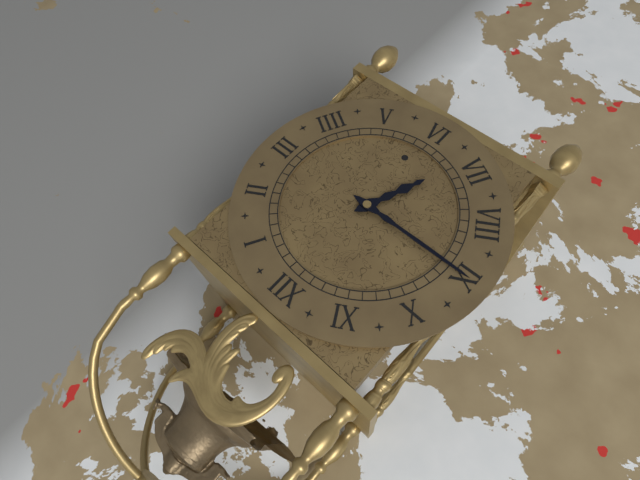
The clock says **6:45**
